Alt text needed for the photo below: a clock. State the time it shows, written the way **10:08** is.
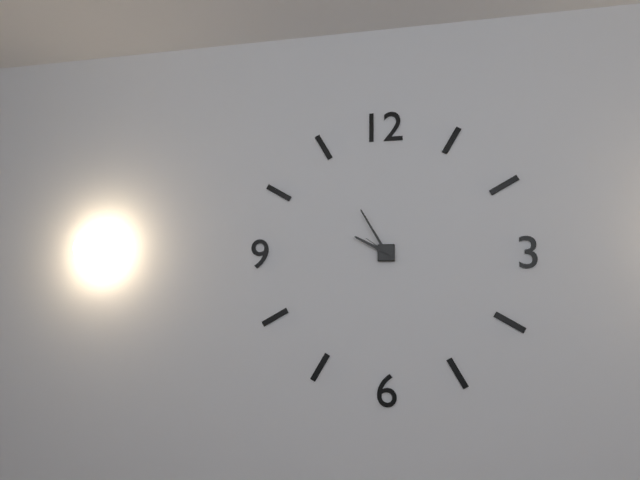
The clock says **9:55**
